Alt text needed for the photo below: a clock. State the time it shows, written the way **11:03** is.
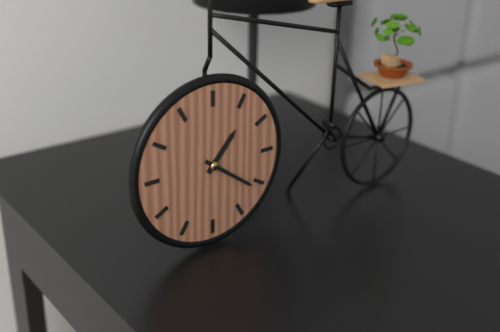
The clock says **1:21**
